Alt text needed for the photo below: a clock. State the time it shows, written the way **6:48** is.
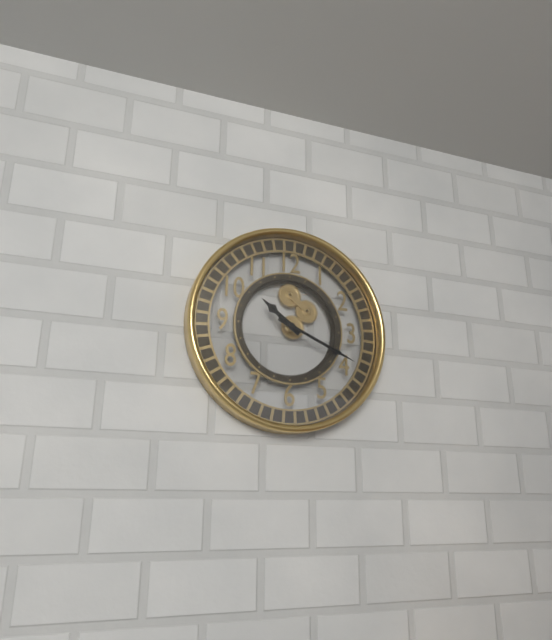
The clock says **10:19**
